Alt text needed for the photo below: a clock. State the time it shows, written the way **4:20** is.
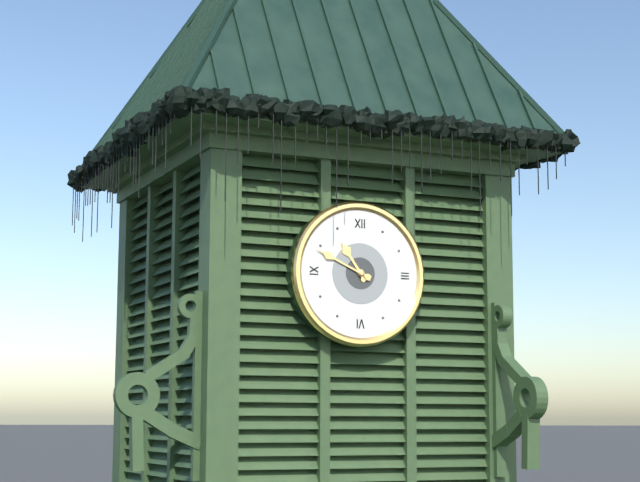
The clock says **10:49**
